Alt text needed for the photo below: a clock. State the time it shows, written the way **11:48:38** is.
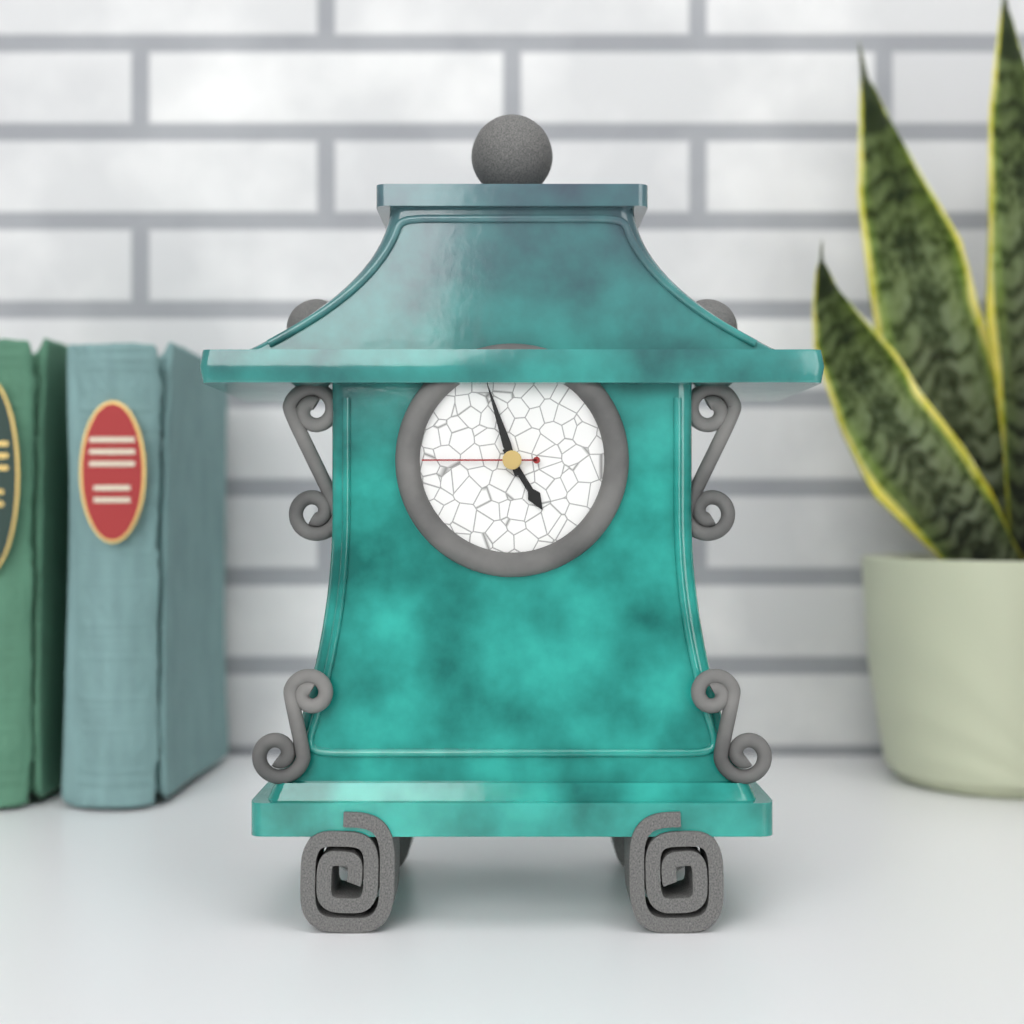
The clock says **4:57:45**
